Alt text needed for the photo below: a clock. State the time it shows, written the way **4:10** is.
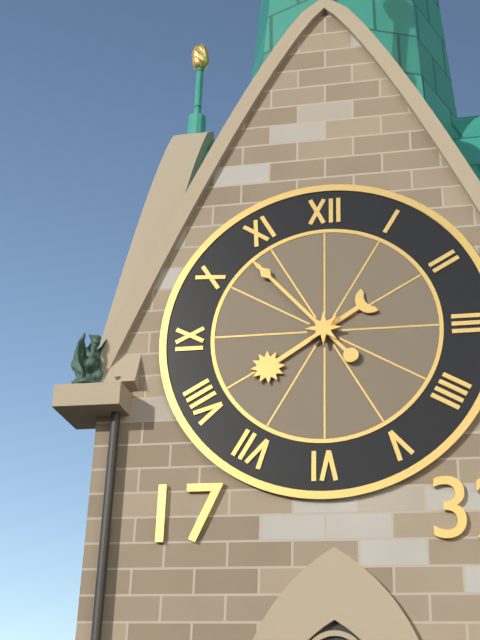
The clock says **7:53**
